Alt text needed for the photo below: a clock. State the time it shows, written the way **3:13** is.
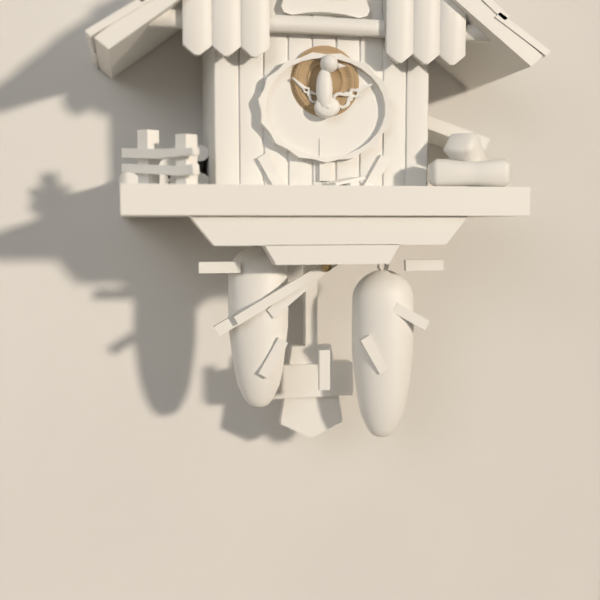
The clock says **7:40**
